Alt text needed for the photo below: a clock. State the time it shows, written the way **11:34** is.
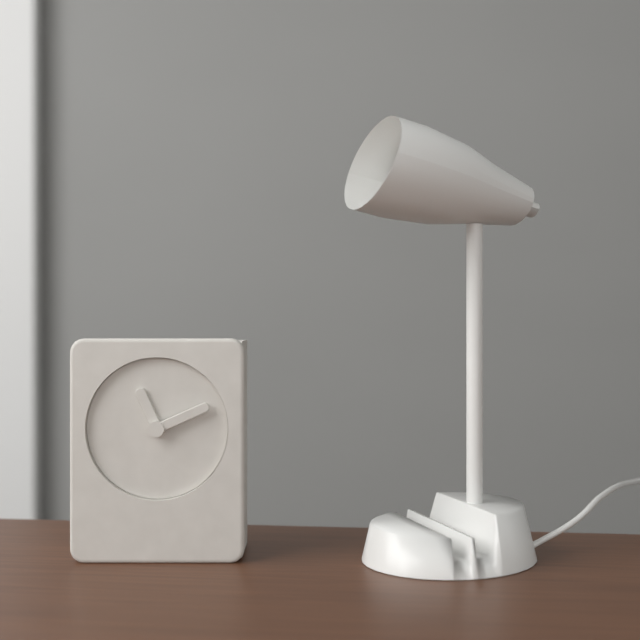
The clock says **11:11**
